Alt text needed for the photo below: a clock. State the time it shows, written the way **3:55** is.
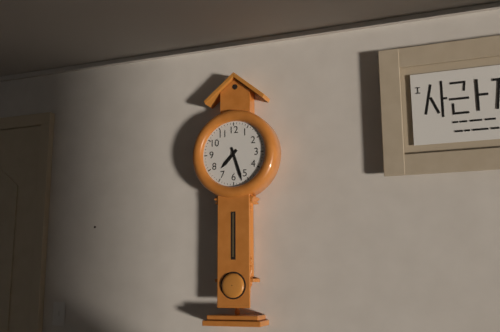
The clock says **7:27**
